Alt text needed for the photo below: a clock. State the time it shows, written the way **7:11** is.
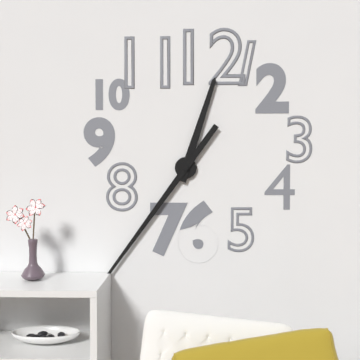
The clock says **12:36**
